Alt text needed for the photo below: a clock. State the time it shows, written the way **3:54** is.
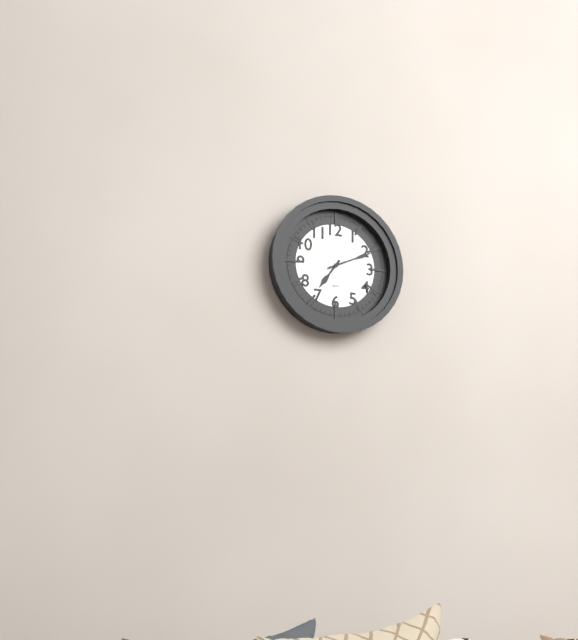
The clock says **7:11**
